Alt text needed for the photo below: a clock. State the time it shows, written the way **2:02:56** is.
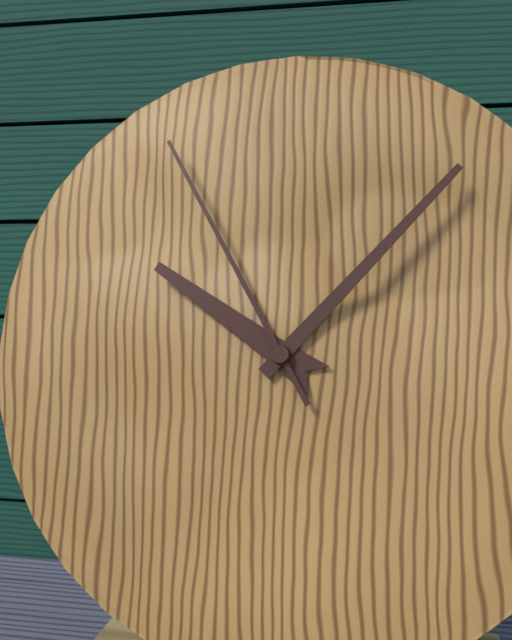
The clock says **10:07:55**
